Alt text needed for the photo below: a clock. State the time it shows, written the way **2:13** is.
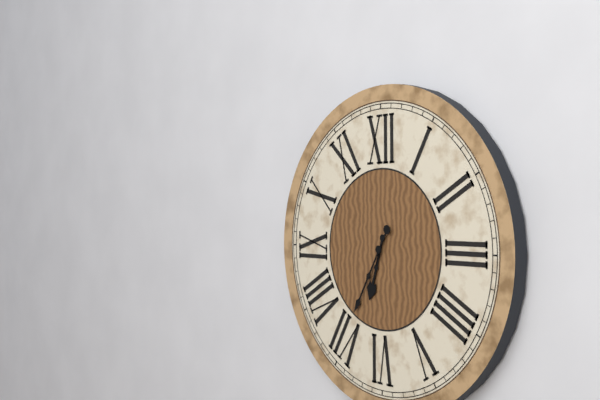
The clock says **6:35**
